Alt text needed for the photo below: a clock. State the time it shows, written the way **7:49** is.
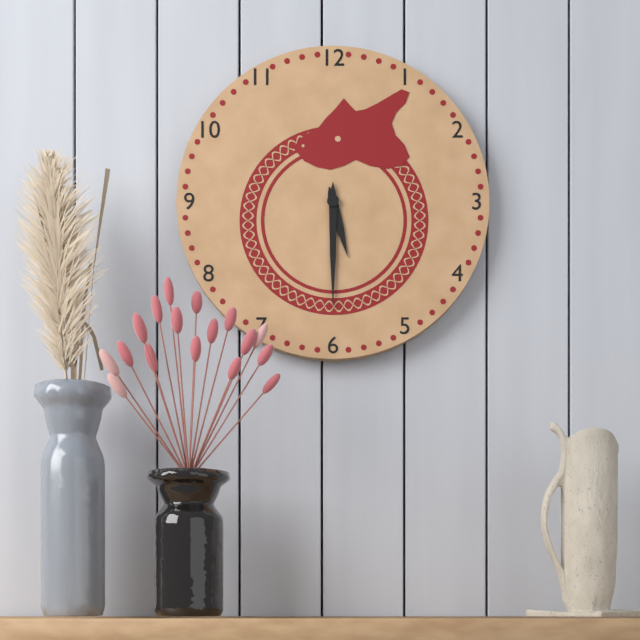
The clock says **5:30**
